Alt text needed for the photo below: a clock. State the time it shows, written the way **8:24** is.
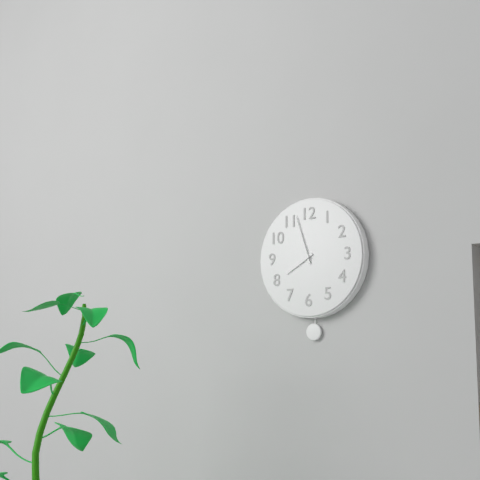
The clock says **7:57**
